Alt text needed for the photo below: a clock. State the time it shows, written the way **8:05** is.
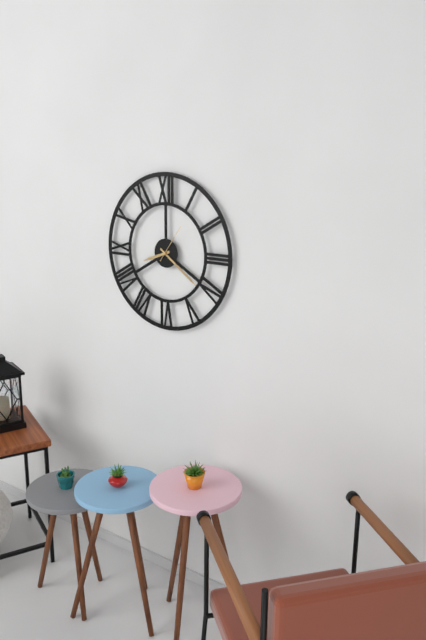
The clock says **8:21**
